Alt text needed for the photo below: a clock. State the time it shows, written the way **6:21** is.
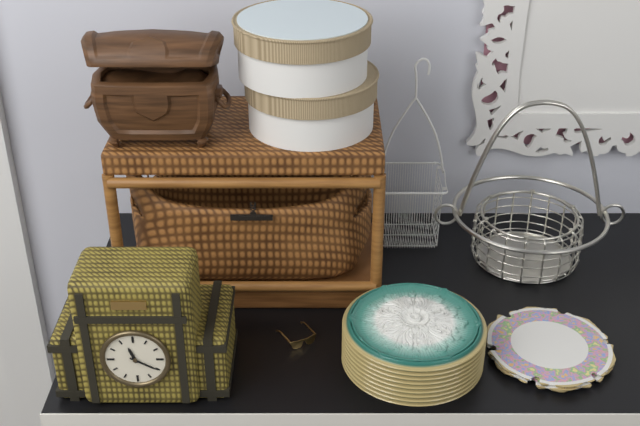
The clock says **11:20**
